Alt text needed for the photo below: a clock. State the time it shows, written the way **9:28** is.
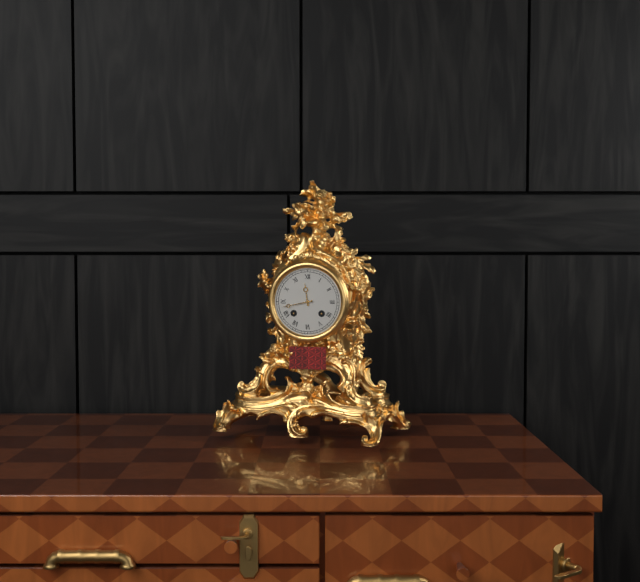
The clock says **11:43**
